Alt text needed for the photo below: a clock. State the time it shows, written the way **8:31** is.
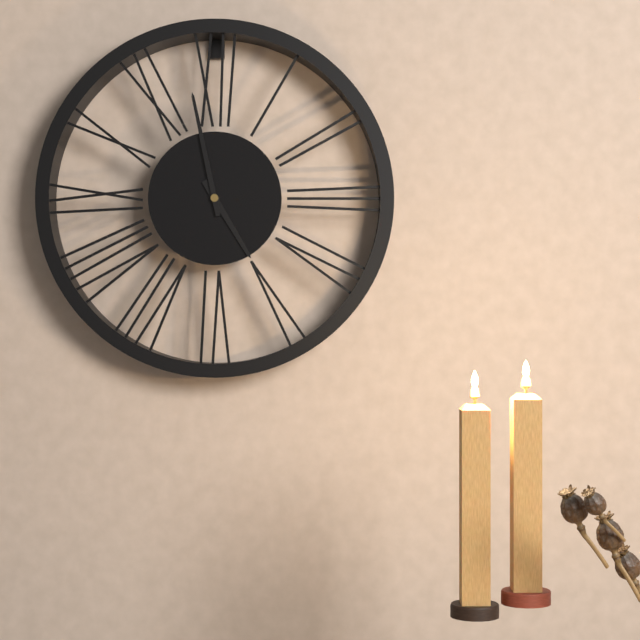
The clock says **4:58**
